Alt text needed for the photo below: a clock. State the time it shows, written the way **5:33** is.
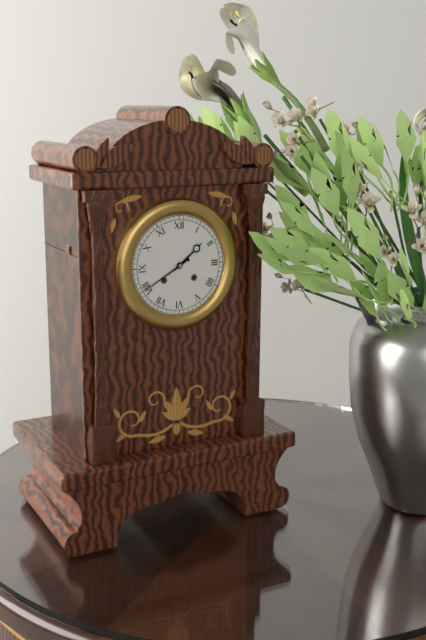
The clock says **1:40**
